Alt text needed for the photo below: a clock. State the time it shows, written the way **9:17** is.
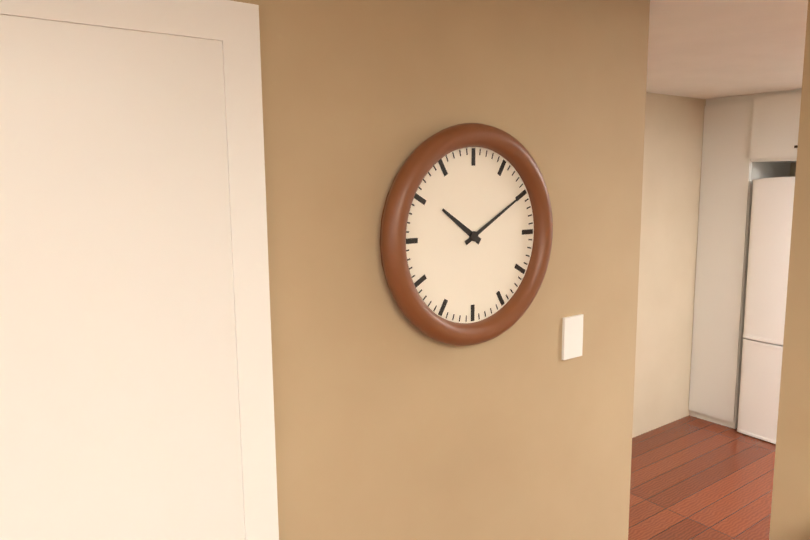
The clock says **10:10**
